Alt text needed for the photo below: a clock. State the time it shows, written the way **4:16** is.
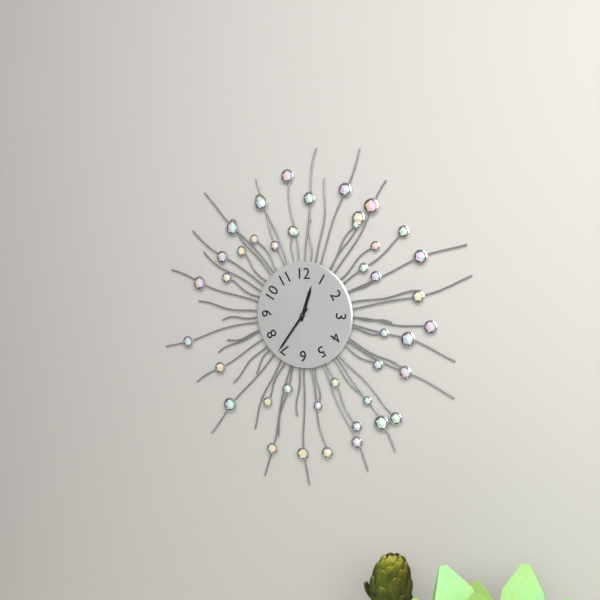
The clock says **12:36**
